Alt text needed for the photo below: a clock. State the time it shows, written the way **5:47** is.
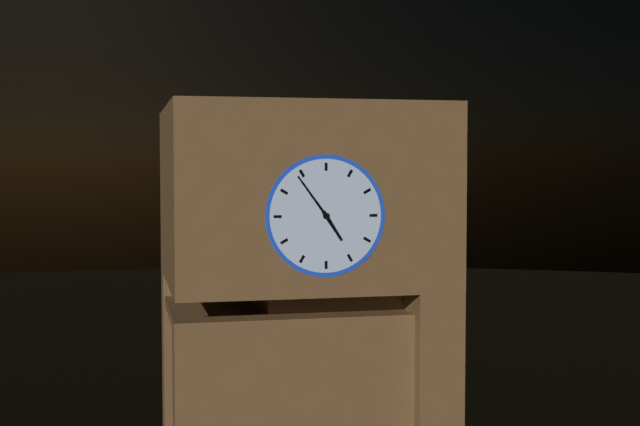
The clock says **4:54**
